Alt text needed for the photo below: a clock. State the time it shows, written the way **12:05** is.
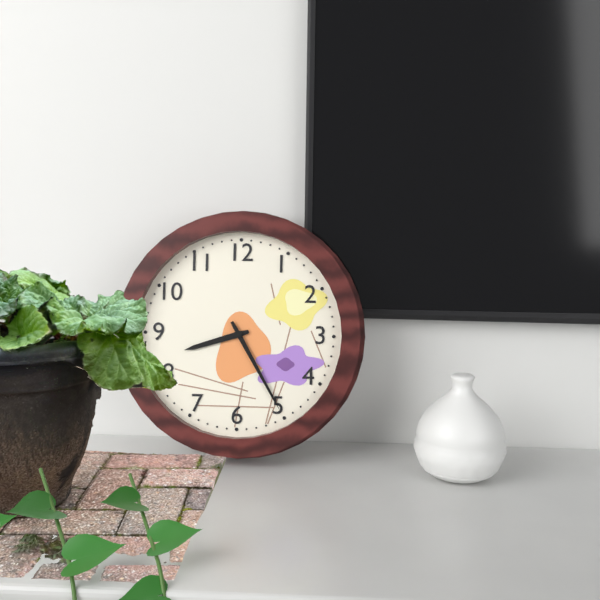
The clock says **8:25**
